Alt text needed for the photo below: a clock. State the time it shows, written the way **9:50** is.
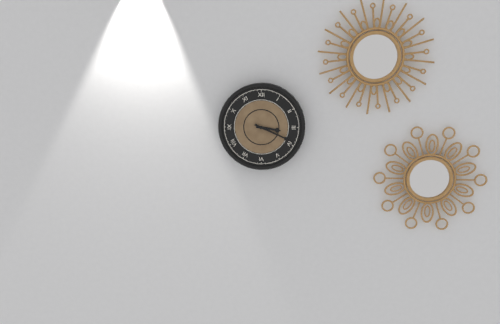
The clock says **3:19**
